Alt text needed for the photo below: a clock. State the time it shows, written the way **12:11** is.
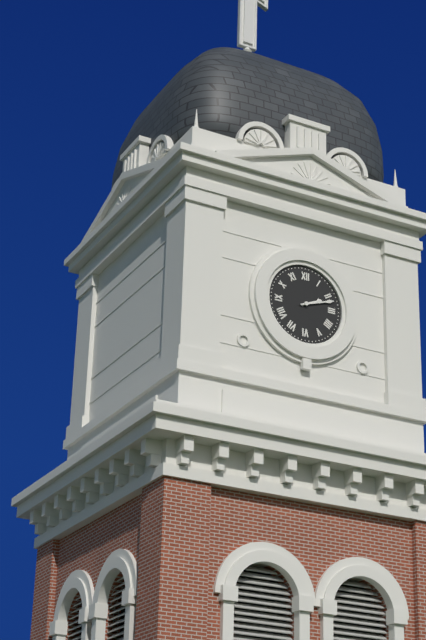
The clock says **2:12**
